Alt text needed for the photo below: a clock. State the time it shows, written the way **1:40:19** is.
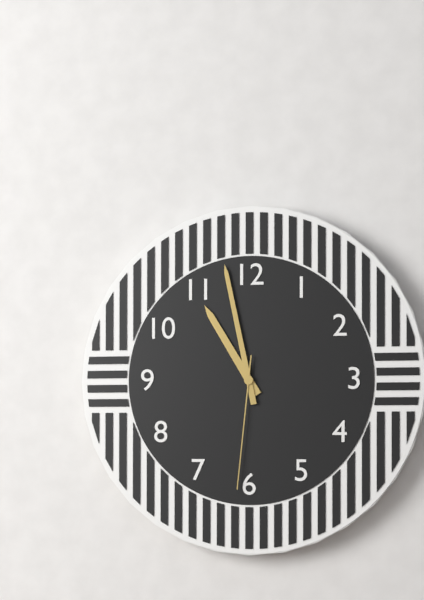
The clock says **10:58:31**
